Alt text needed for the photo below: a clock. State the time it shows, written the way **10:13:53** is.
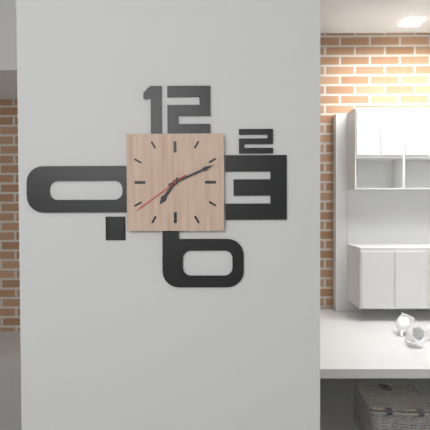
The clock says **7:11:39**
